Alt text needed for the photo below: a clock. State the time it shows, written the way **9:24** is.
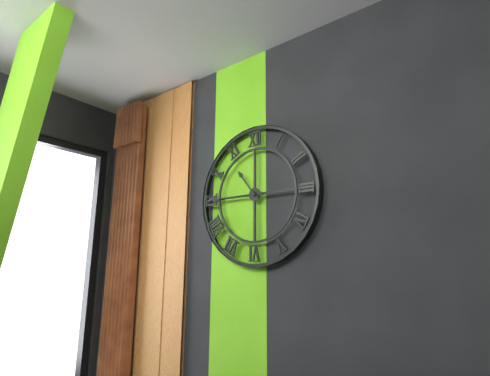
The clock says **10:45**
